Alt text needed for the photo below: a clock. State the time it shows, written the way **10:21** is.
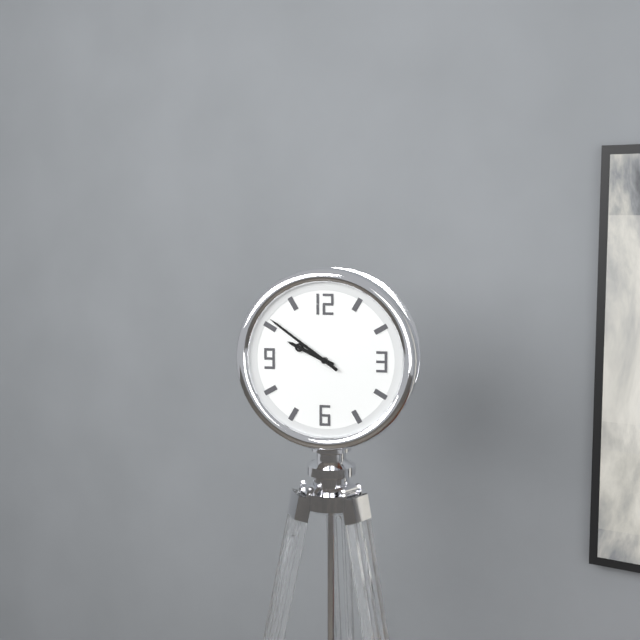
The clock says **9:51**
